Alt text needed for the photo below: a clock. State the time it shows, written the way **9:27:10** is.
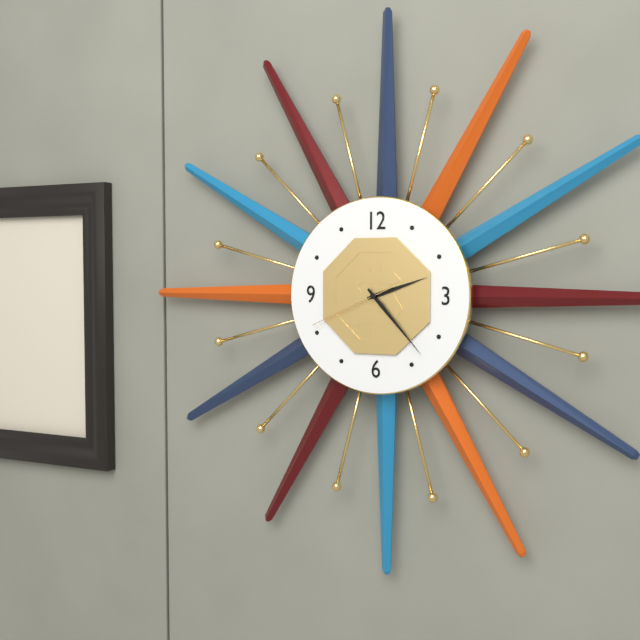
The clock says **2:23:41**
